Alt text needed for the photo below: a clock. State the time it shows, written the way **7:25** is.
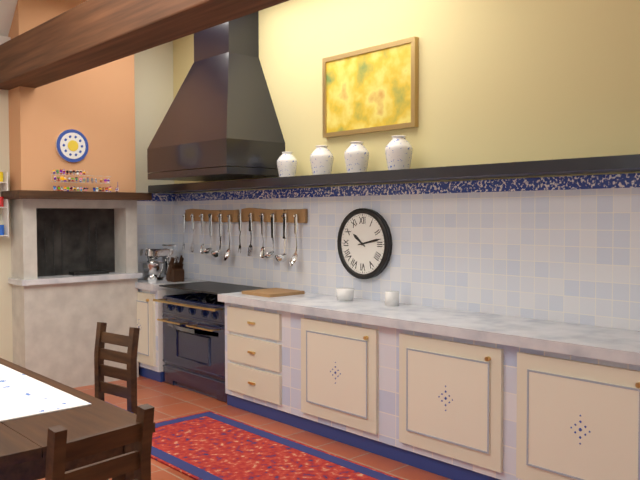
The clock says **10:13**
